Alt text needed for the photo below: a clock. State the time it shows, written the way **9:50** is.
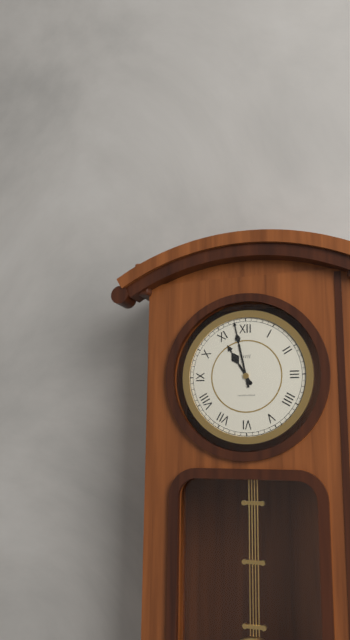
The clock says **10:58**
